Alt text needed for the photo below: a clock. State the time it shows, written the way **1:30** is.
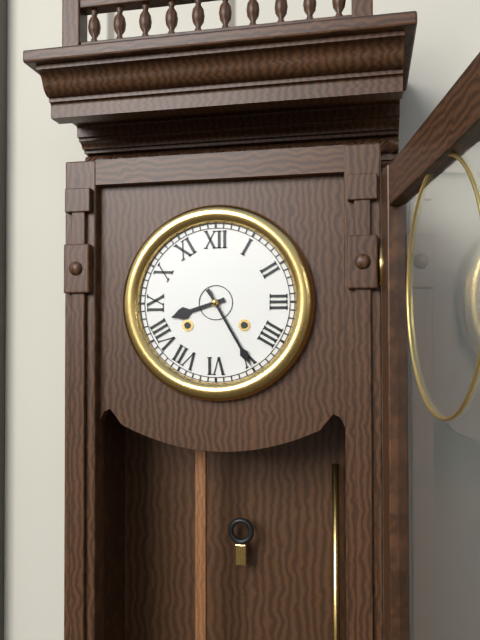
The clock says **8:25**
